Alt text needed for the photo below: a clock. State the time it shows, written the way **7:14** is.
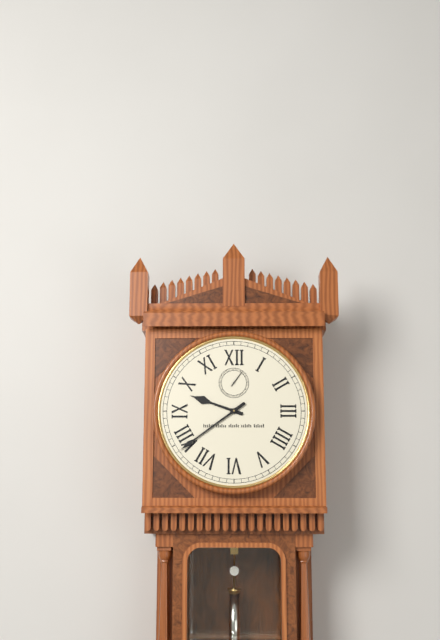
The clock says **9:39**
